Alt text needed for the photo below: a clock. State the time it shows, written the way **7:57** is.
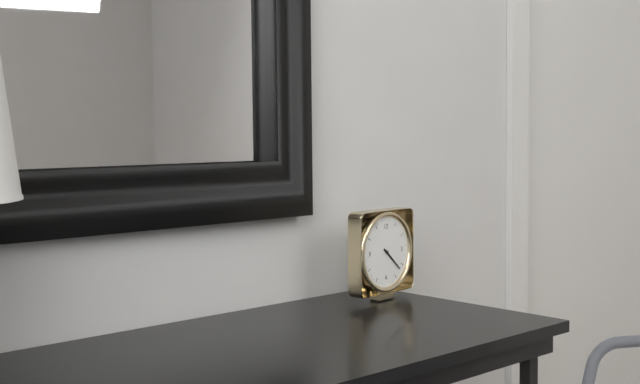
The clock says **4:22**
